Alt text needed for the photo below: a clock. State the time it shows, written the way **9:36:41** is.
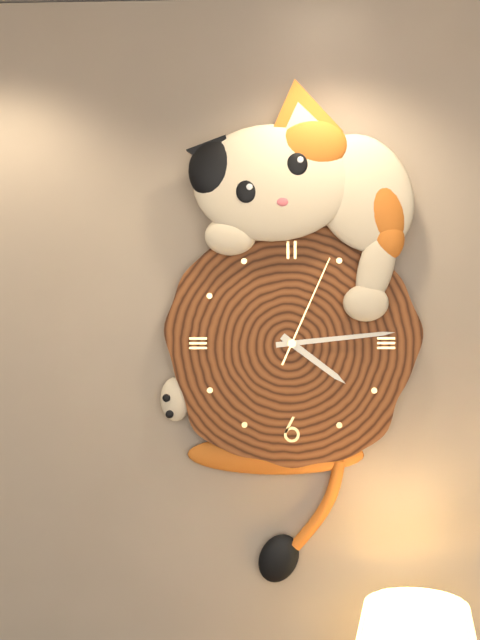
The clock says **4:14:04**
